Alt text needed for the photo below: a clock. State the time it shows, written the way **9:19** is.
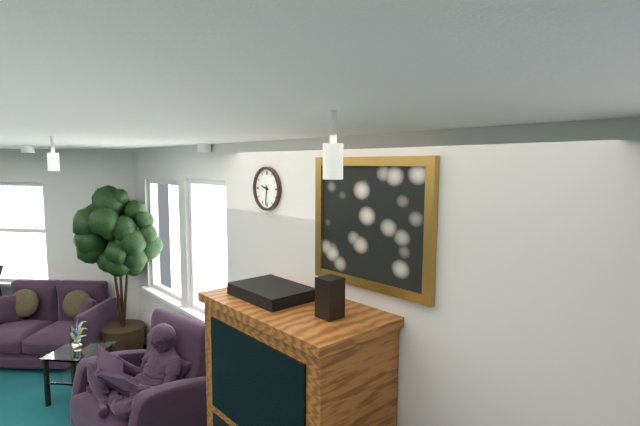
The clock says **9:31**
